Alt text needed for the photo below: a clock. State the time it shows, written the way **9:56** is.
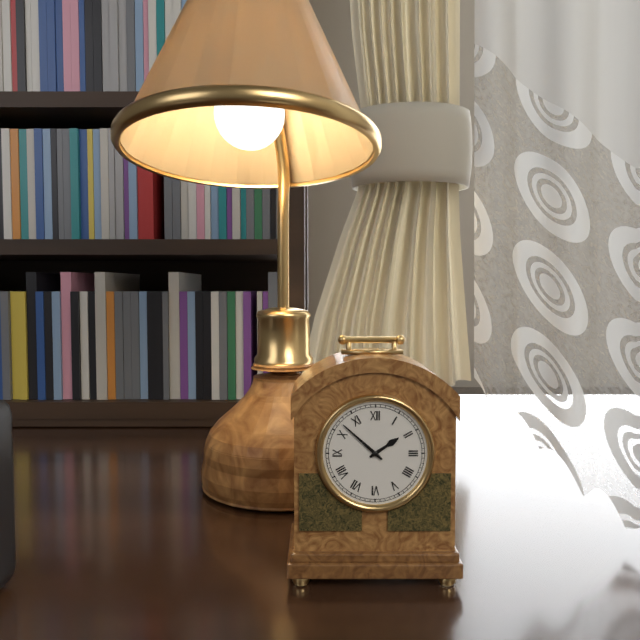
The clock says **1:52**
